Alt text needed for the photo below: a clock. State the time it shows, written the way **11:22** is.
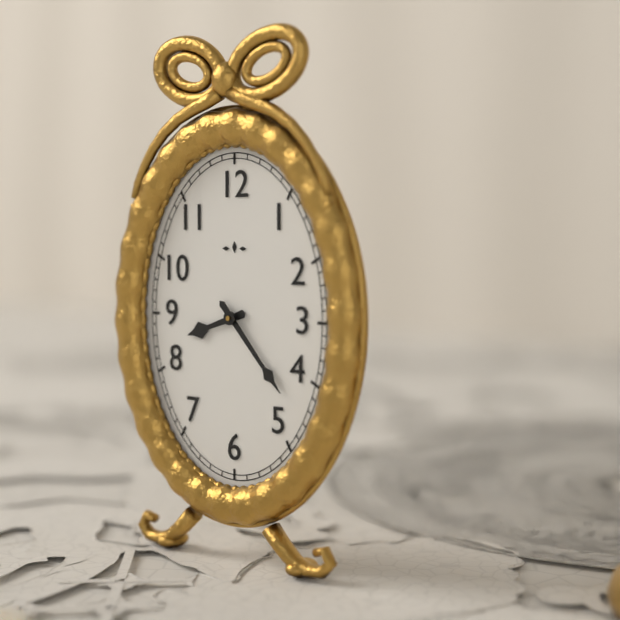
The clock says **8:23**
